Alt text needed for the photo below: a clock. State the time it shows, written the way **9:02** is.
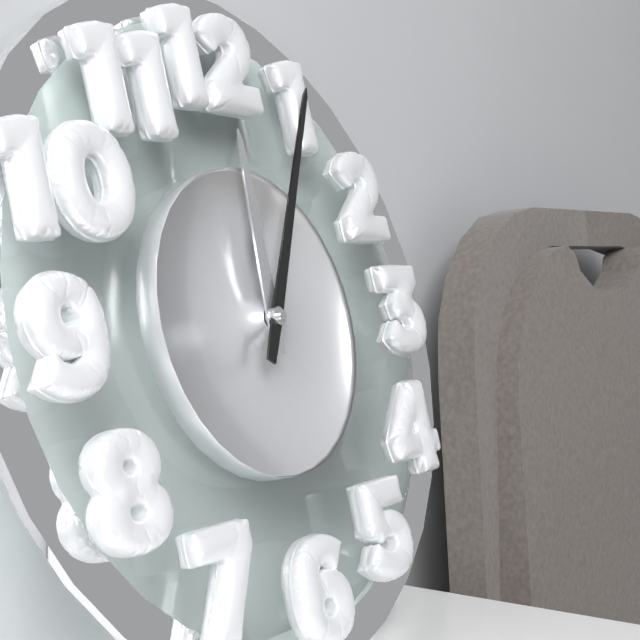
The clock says **12:05**
